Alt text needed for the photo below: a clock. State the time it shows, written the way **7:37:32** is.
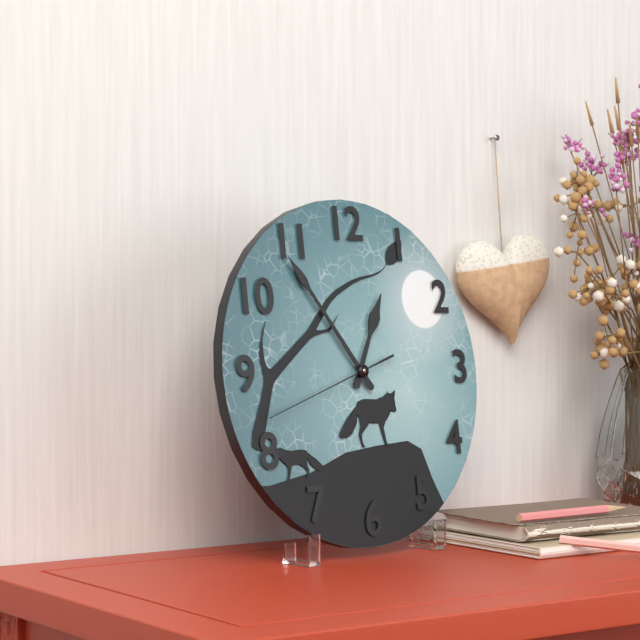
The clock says **12:54:42**
